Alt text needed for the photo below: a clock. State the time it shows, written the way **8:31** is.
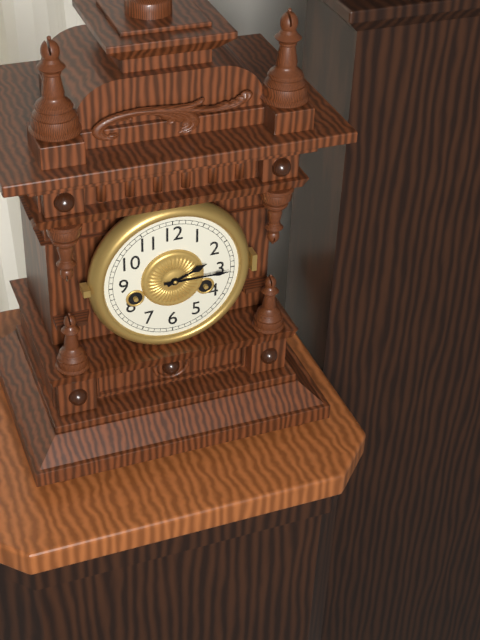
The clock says **2:15**
